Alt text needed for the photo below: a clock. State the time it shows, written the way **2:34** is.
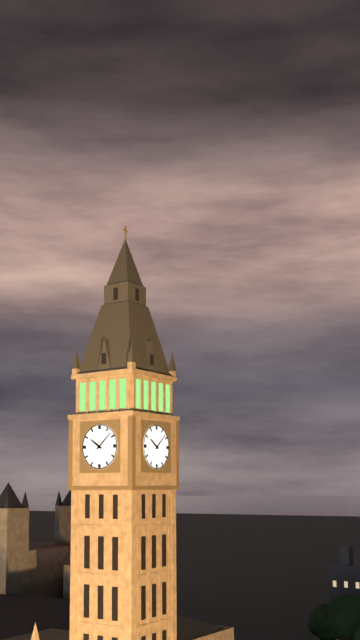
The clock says **10:08**
